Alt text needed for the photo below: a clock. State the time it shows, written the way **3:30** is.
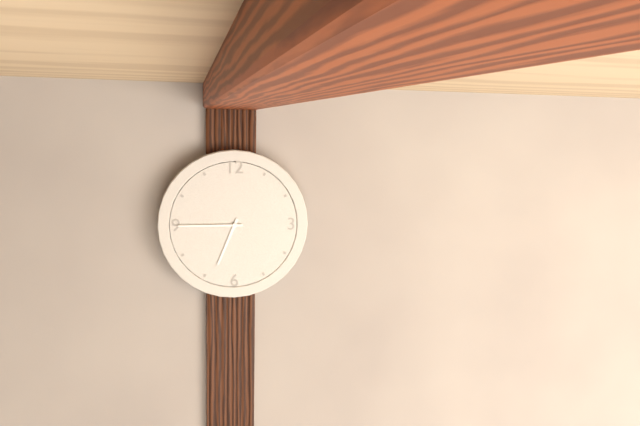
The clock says **6:45**
